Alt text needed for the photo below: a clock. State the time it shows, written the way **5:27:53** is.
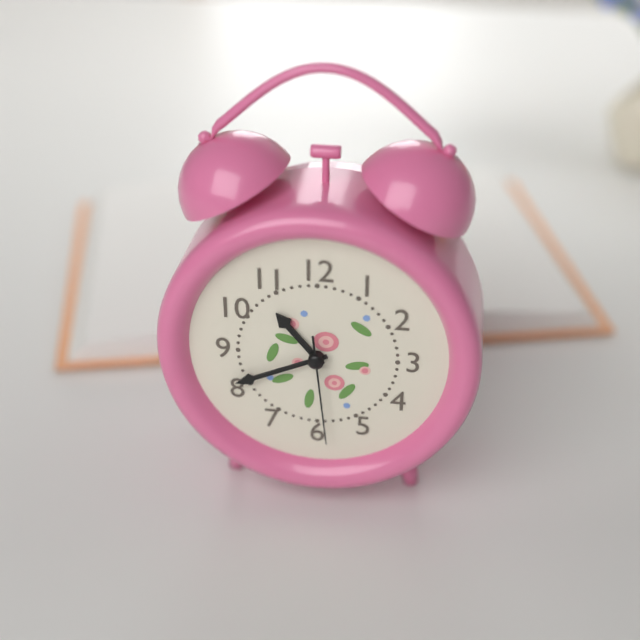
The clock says **10:41:29**
